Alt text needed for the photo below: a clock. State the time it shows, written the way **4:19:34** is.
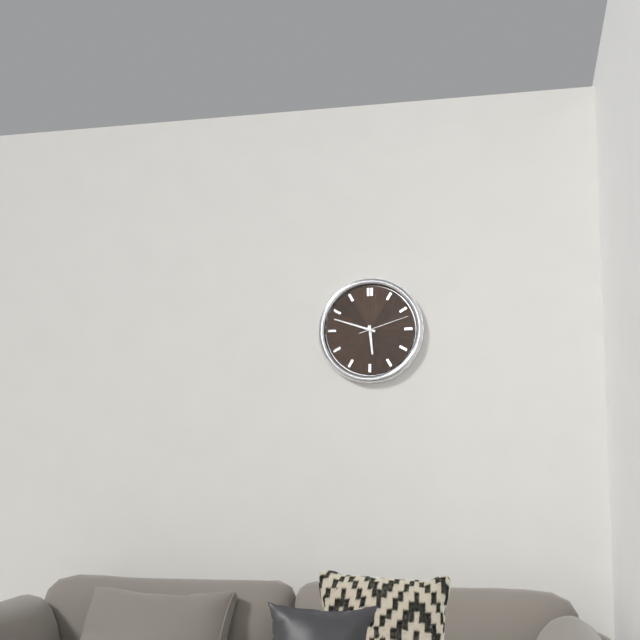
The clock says **5:48:12**
